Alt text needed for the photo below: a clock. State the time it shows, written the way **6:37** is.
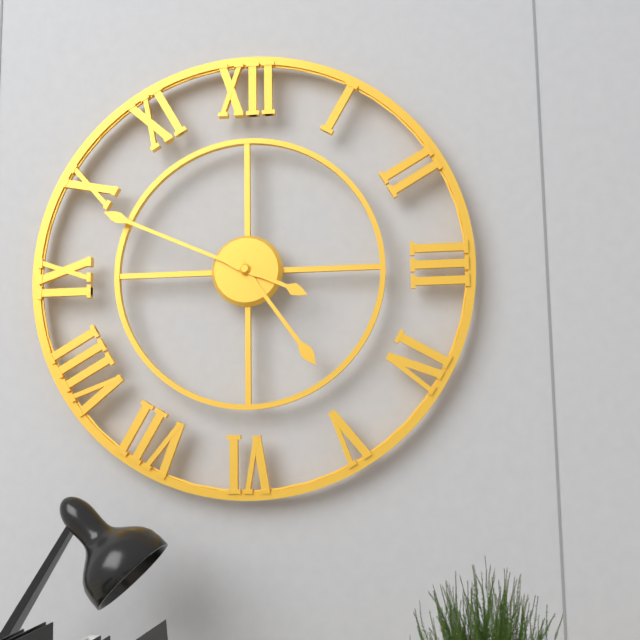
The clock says **4:49**
